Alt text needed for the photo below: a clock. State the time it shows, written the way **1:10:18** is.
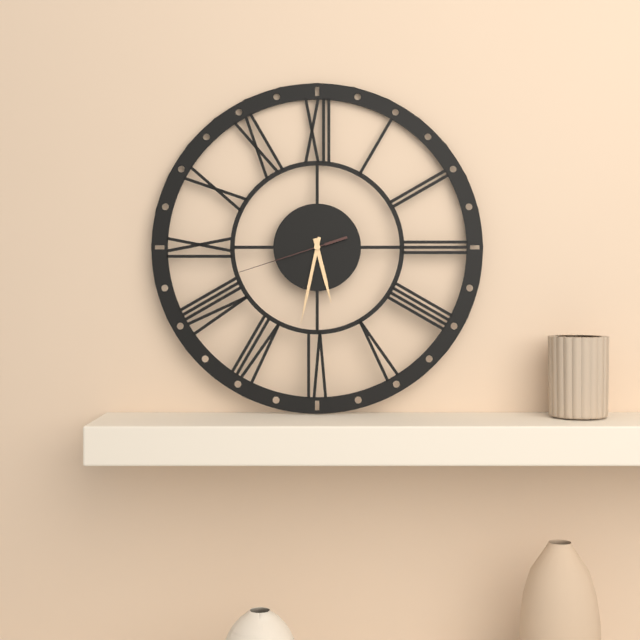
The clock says **5:32:42**
